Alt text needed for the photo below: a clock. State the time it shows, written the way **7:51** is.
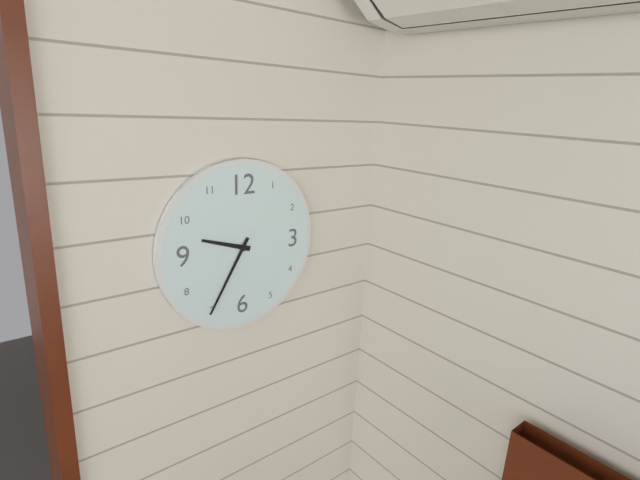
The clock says **9:35**
